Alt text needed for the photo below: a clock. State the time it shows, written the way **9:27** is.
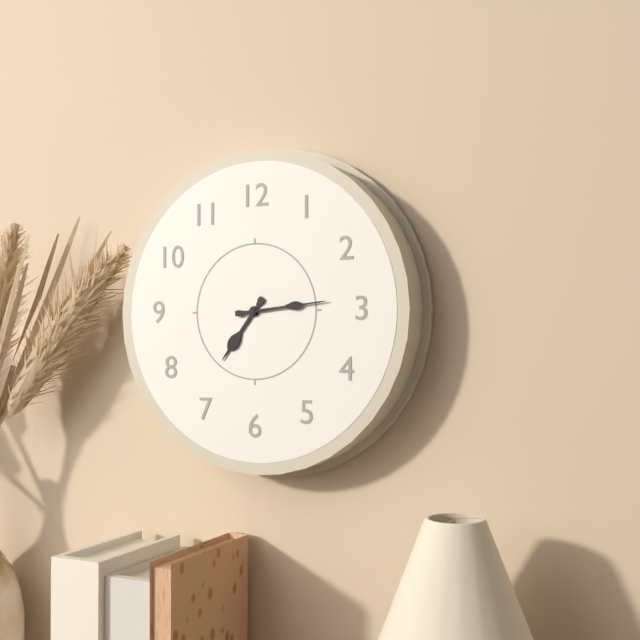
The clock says **7:14**
